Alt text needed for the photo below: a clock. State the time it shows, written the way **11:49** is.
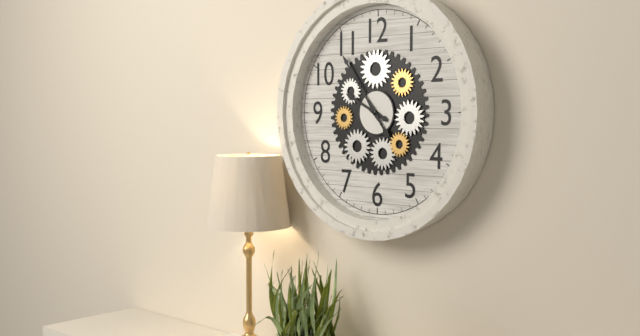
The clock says **9:54**
